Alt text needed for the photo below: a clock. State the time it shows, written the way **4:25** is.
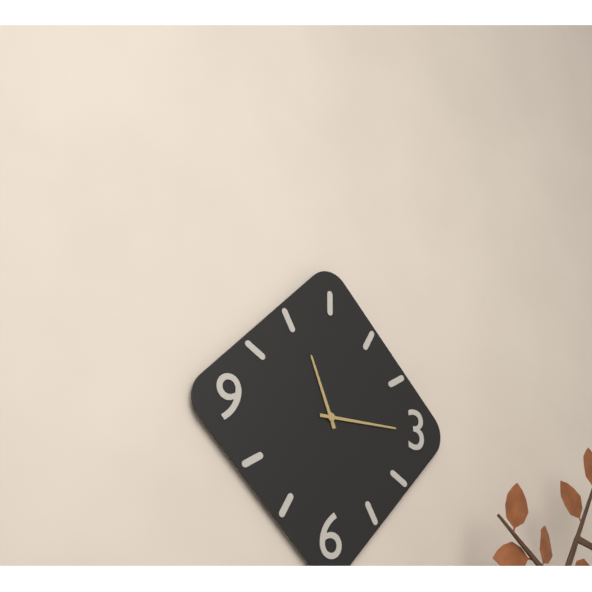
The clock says **11:15**
